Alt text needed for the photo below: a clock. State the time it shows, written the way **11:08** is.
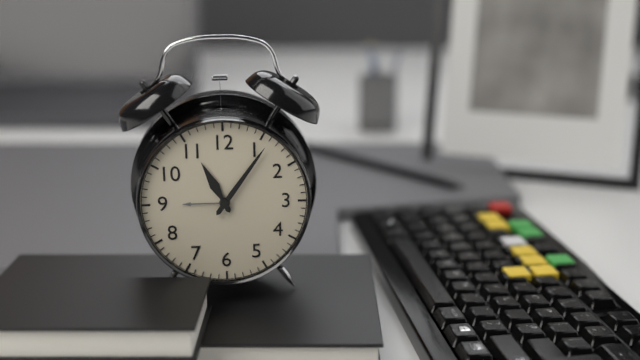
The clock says **11:06**
